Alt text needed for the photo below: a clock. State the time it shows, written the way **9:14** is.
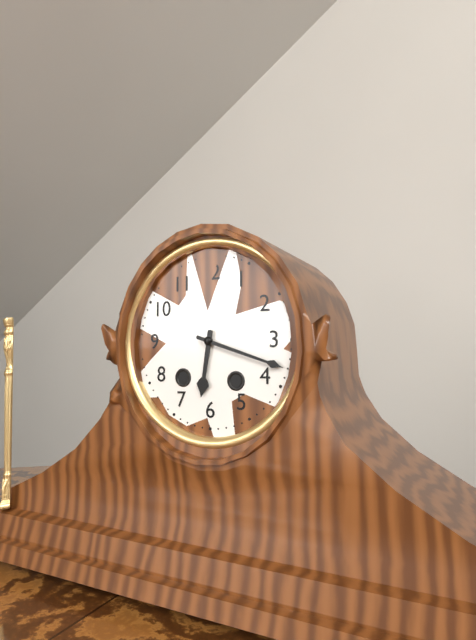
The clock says **6:18**
